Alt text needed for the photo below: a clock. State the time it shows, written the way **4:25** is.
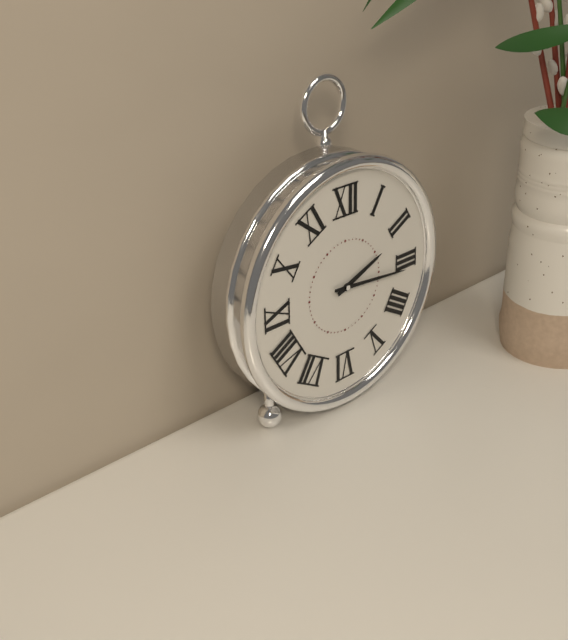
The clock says **2:16**
